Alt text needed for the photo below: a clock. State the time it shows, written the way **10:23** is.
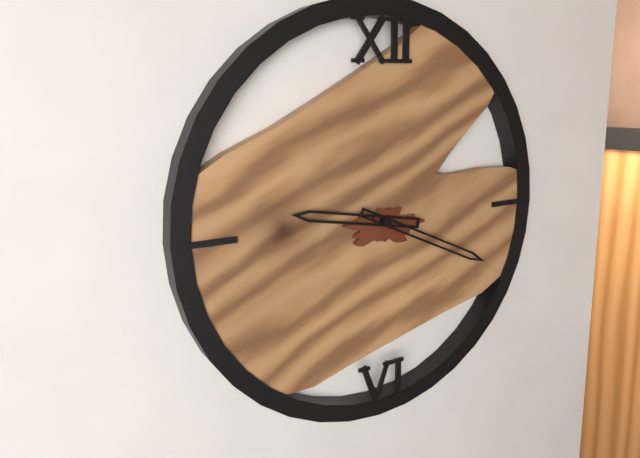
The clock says **9:19**
